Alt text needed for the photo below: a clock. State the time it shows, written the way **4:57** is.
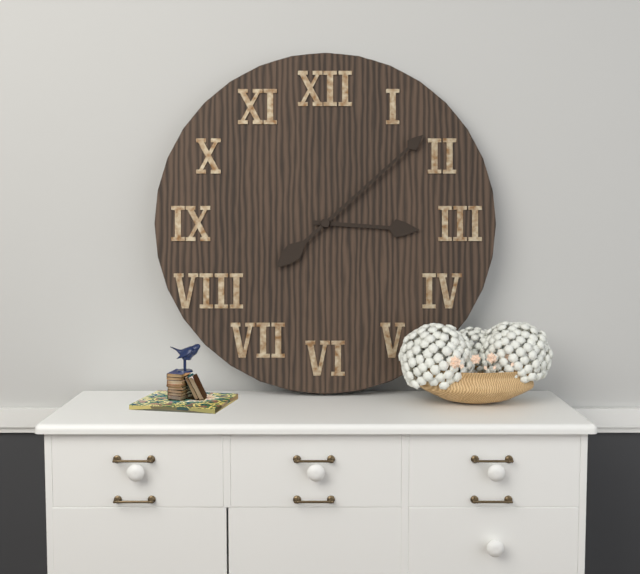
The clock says **3:08**
